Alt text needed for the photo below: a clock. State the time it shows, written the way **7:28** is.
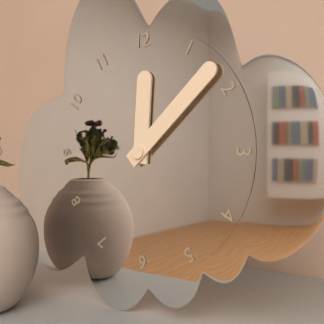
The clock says **12:08**
